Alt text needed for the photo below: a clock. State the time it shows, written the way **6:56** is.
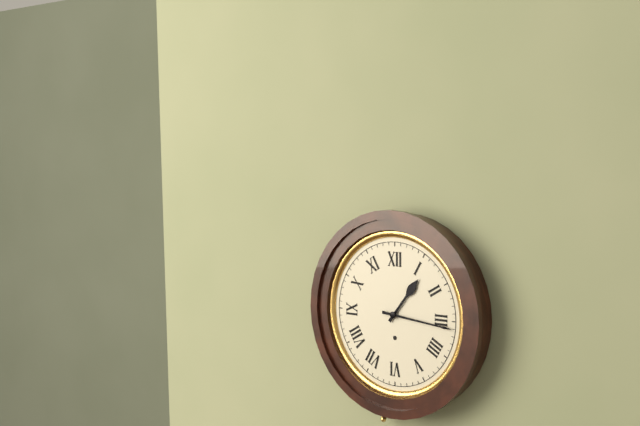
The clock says **1:16**
